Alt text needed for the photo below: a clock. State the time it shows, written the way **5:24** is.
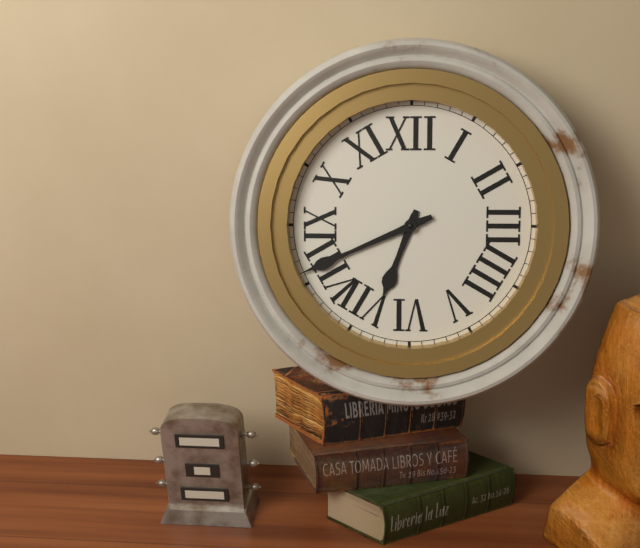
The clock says **6:41**
